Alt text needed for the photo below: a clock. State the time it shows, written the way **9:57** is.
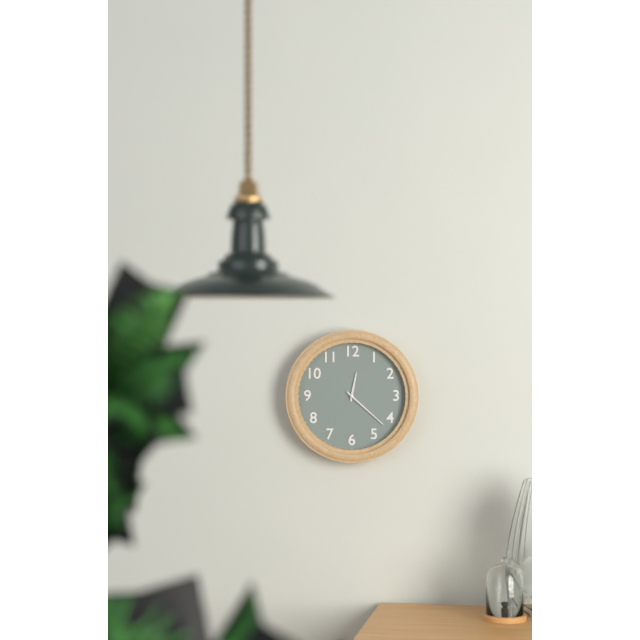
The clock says **12:22**
